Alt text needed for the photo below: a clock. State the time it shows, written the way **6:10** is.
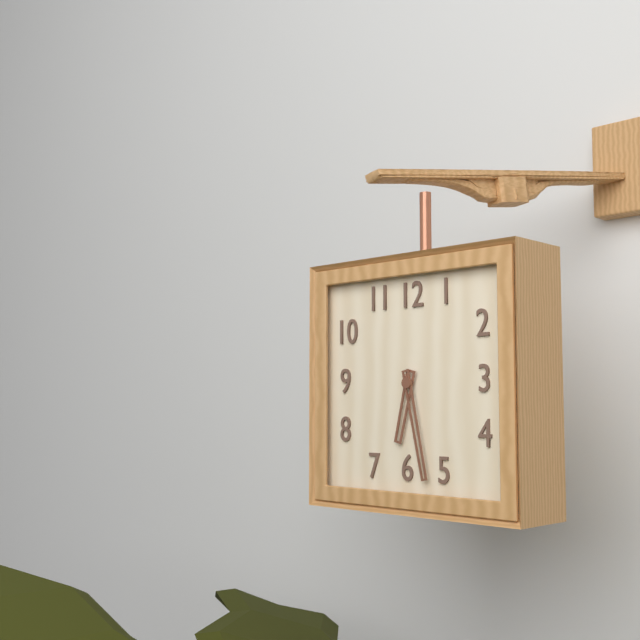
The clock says **6:28**
